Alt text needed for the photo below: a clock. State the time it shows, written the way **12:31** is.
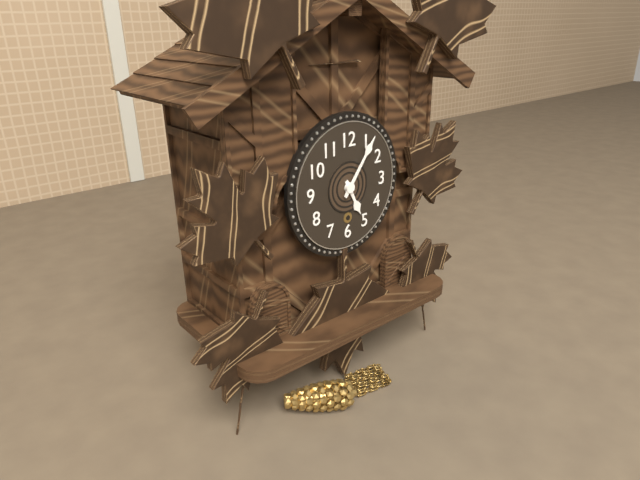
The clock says **5:06**
